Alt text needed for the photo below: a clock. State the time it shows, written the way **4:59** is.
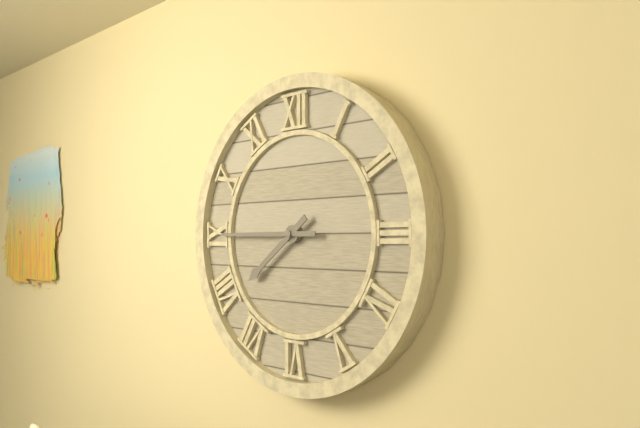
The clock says **7:45**
